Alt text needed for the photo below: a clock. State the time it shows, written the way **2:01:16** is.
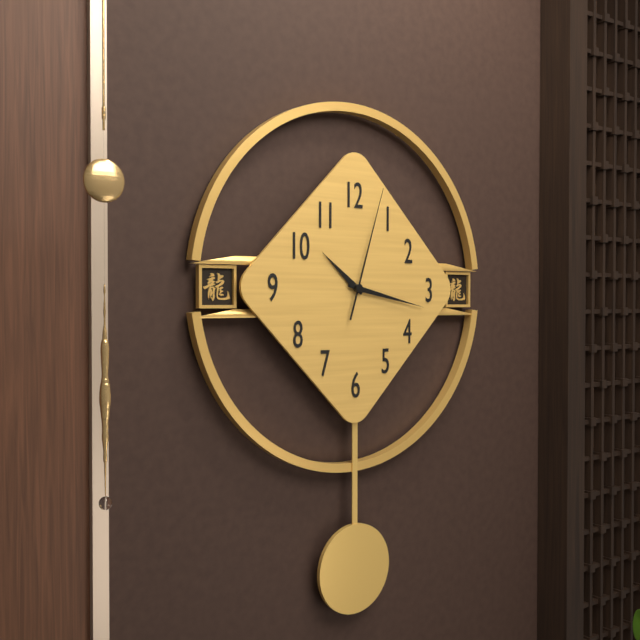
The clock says **10:17:03**
